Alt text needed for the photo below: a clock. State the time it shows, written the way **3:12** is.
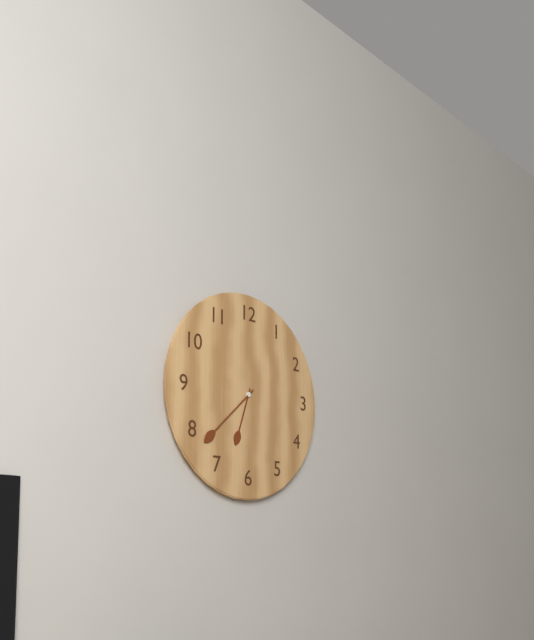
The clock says **6:38**
